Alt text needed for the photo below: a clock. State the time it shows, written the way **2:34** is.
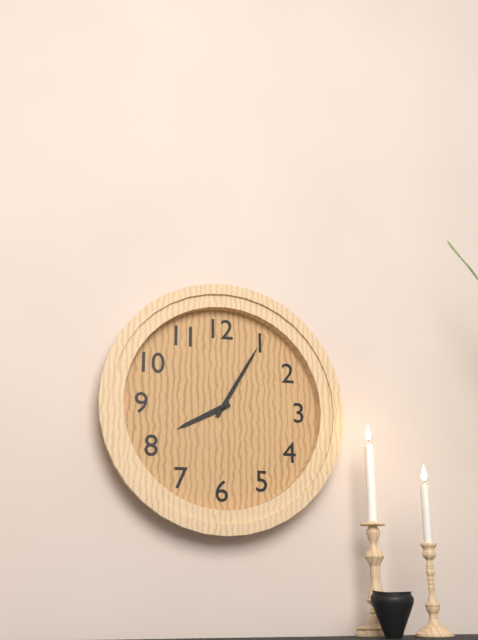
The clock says **8:05**
